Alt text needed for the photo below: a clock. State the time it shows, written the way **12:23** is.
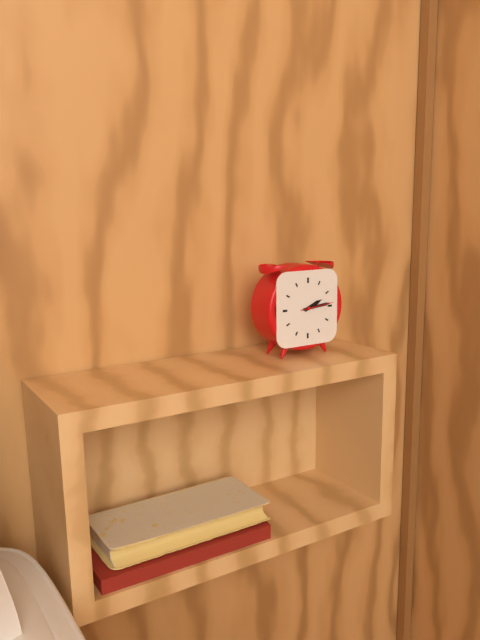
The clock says **2:14**
